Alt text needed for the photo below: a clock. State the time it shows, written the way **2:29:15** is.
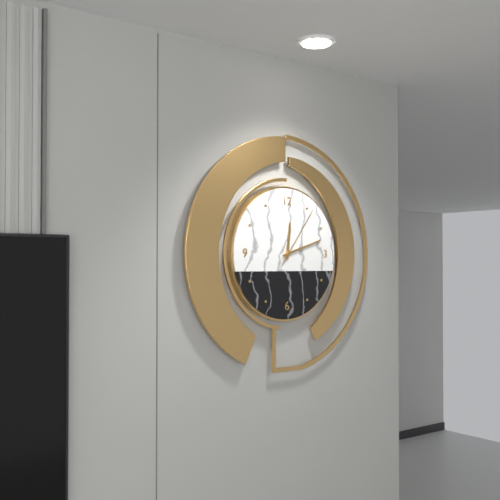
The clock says **12:12:06**
